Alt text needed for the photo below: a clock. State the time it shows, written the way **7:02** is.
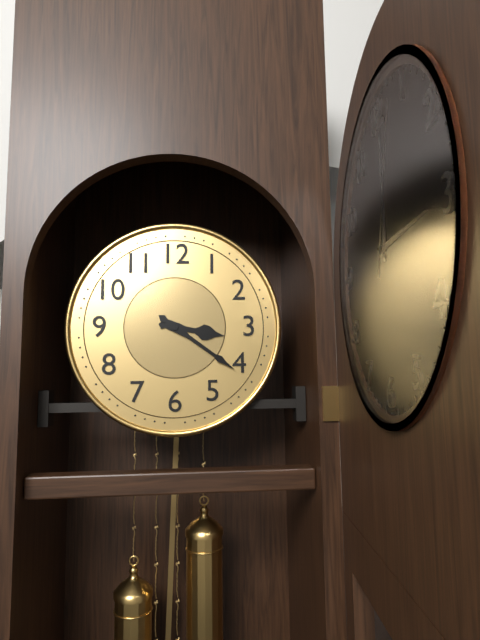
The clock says **3:21**
